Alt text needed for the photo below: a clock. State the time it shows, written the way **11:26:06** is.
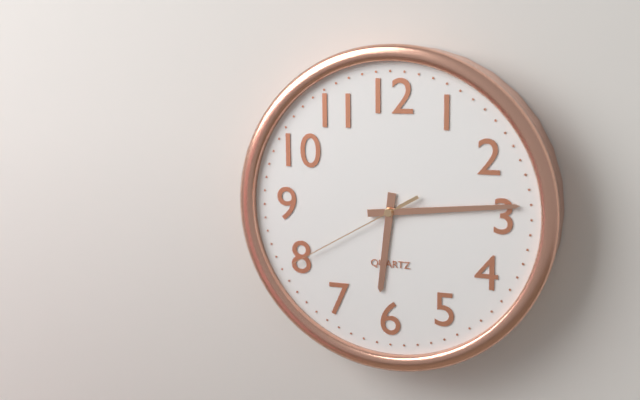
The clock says **6:14:40**
